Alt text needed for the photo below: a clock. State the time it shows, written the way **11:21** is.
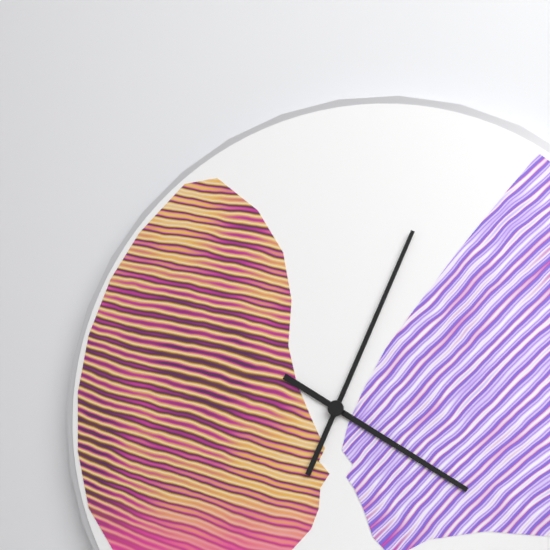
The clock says **4:04**
